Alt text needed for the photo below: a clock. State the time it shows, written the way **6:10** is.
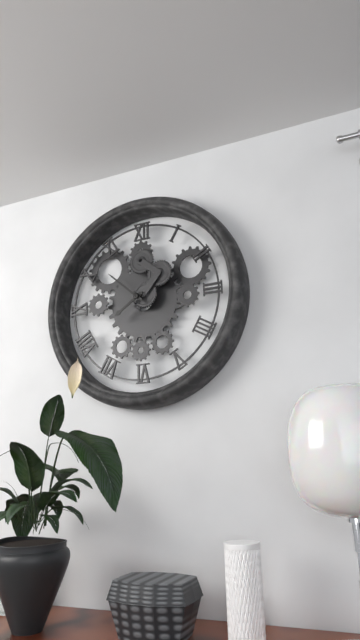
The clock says **7:52**
